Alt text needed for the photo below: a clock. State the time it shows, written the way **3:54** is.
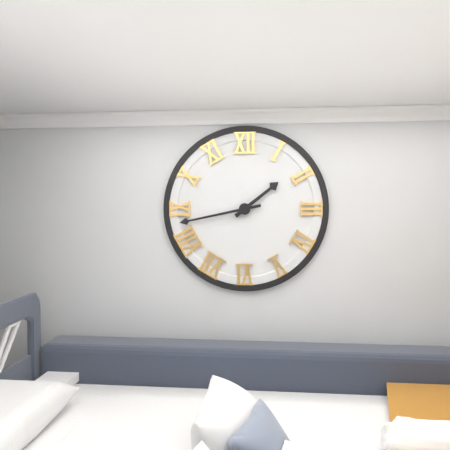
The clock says **1:43**
